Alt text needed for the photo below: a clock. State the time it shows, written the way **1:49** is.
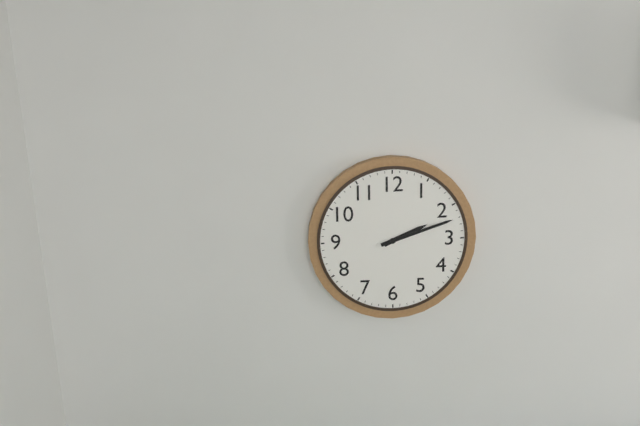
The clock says **2:12**
